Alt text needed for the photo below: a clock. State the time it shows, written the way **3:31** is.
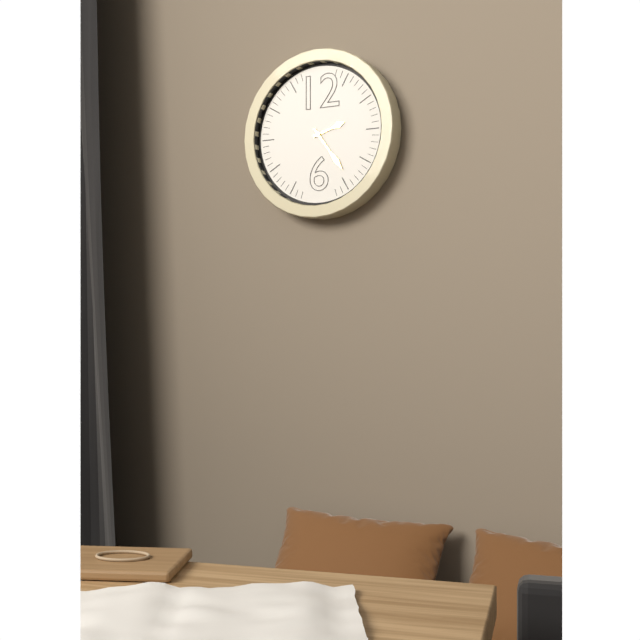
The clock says **2:24**
